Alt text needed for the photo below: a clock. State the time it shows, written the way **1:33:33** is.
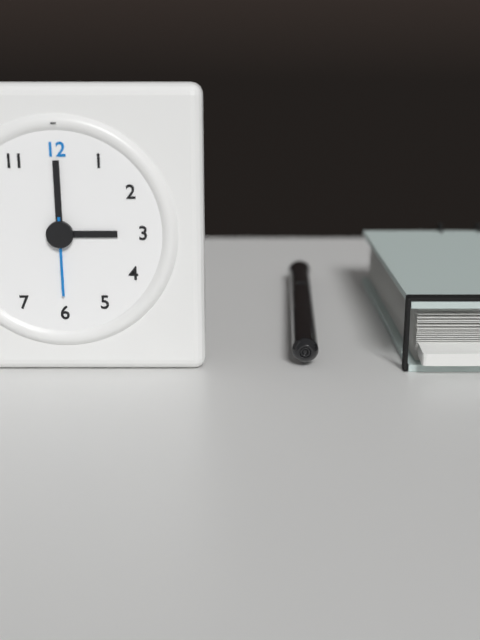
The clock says **3:00:30**
